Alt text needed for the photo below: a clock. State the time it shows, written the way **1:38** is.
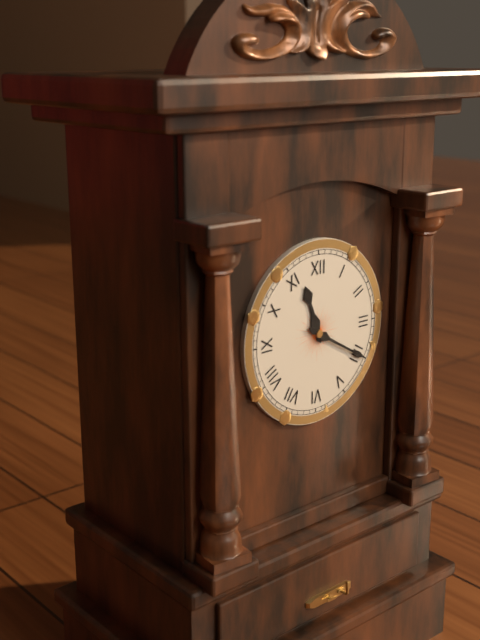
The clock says **11:20**
